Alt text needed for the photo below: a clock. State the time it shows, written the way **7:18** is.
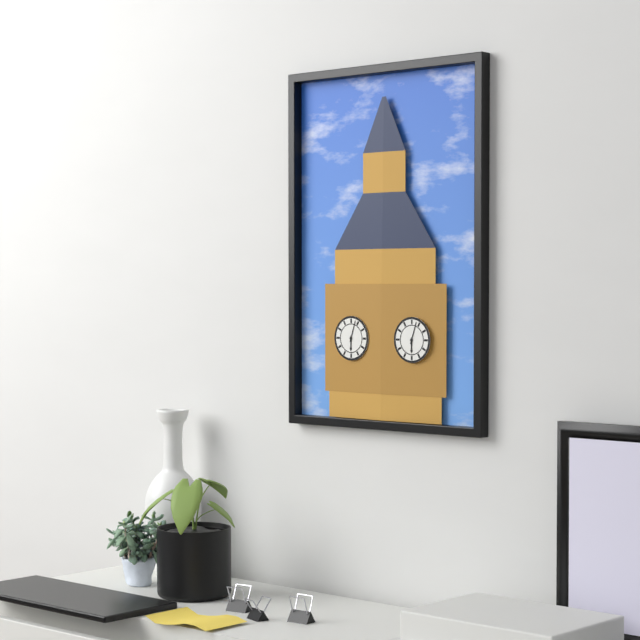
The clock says **6:03**
